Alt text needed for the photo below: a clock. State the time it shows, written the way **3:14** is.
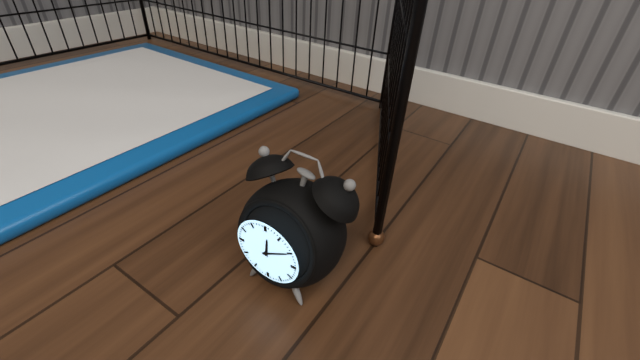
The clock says **12:10**
